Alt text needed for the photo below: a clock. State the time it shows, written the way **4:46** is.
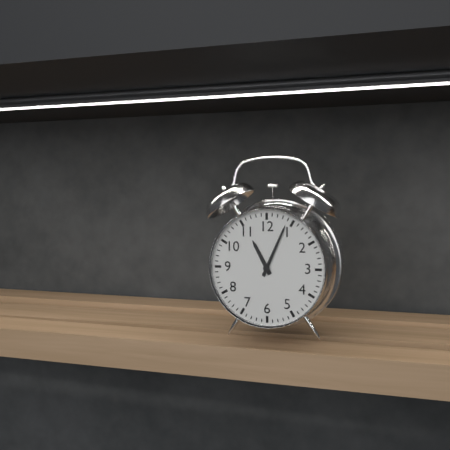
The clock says **11:04**
